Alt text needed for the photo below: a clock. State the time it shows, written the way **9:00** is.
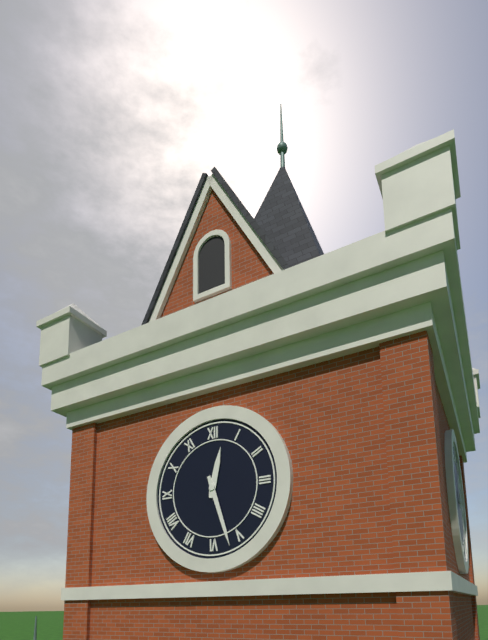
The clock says **12:27**
